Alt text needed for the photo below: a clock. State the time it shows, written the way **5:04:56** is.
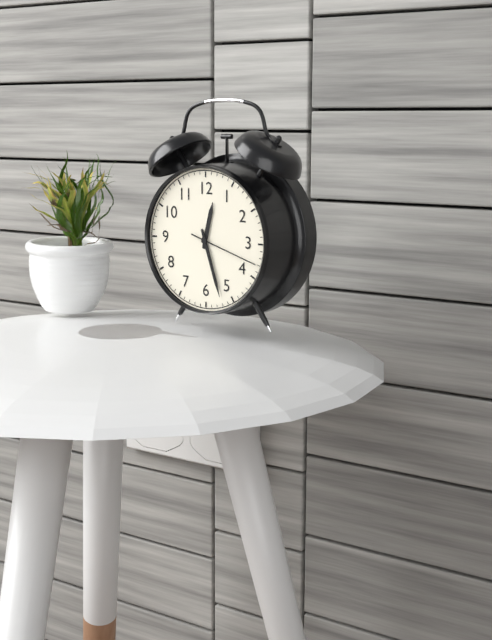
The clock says **12:27:18**
